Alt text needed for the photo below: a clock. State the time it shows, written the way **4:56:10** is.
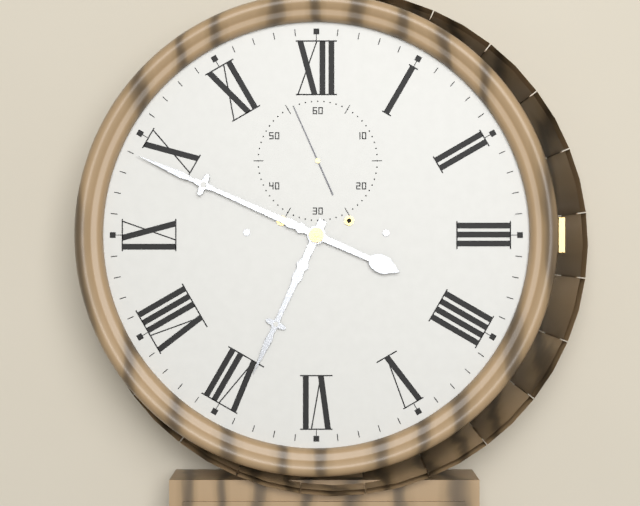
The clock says **6:49:56**
